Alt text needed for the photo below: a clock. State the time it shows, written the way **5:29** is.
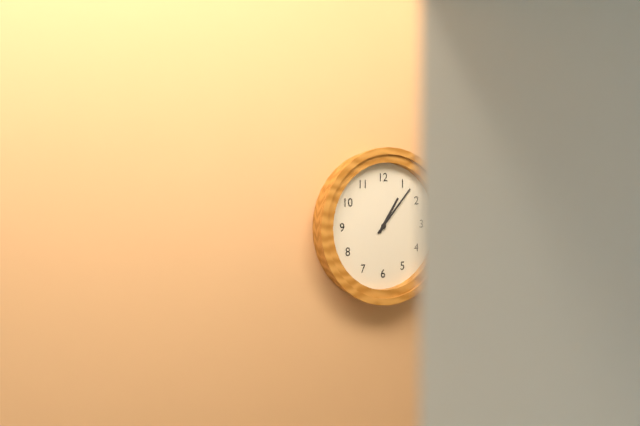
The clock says **1:07**
